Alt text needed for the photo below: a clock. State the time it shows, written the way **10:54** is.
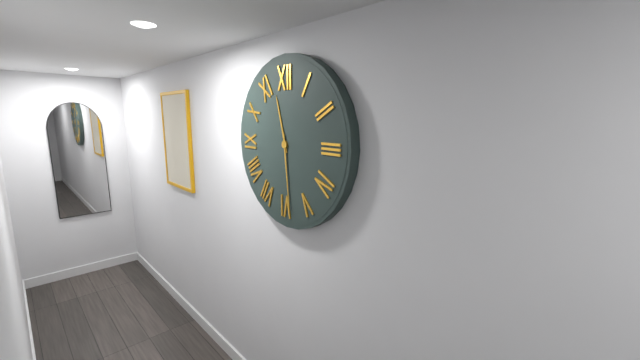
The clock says **11:29**
